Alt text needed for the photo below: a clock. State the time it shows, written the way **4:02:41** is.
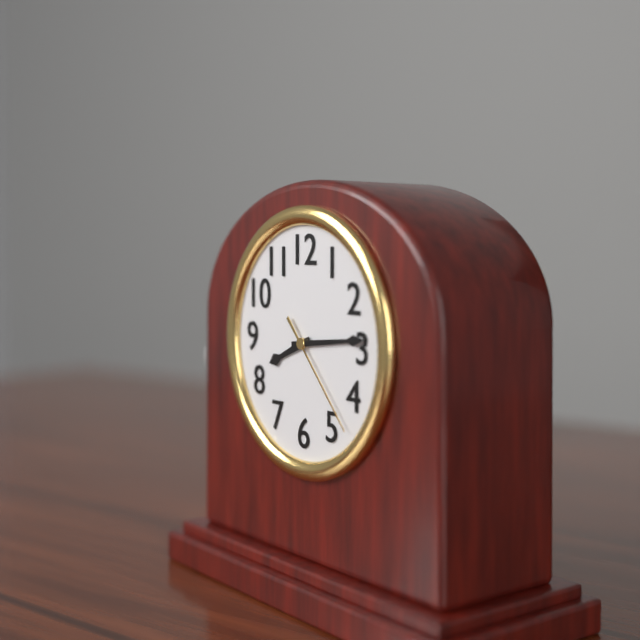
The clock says **8:14:23**
